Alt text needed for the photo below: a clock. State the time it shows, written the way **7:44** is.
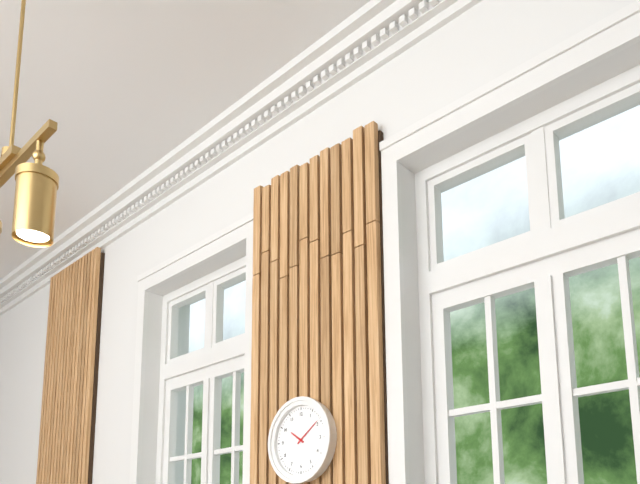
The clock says **10:09**
